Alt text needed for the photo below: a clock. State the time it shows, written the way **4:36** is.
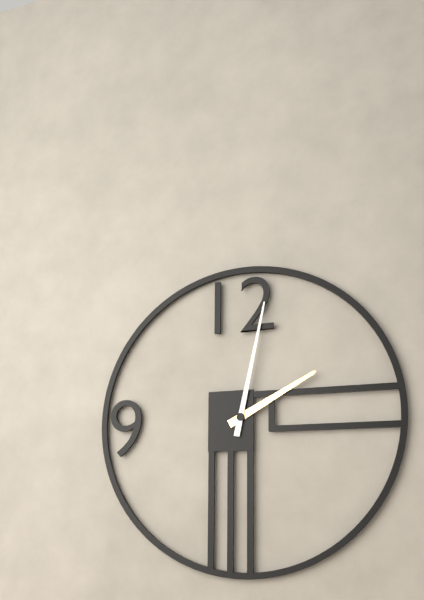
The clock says **2:02**
